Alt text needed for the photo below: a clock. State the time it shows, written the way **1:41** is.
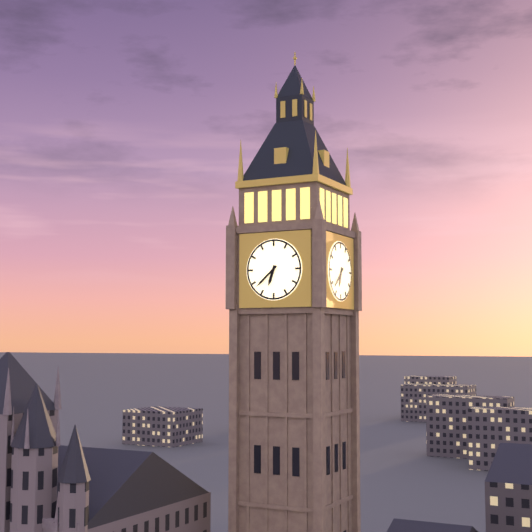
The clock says **6:38**
